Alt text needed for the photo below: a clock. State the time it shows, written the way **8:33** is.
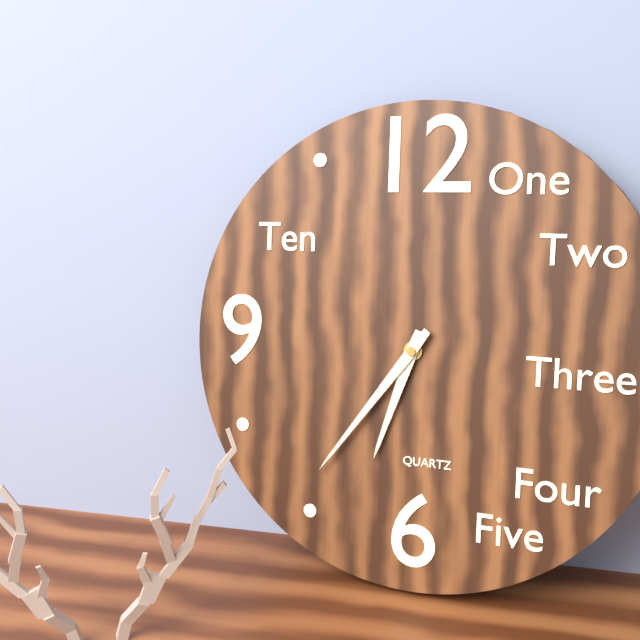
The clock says **6:36**
